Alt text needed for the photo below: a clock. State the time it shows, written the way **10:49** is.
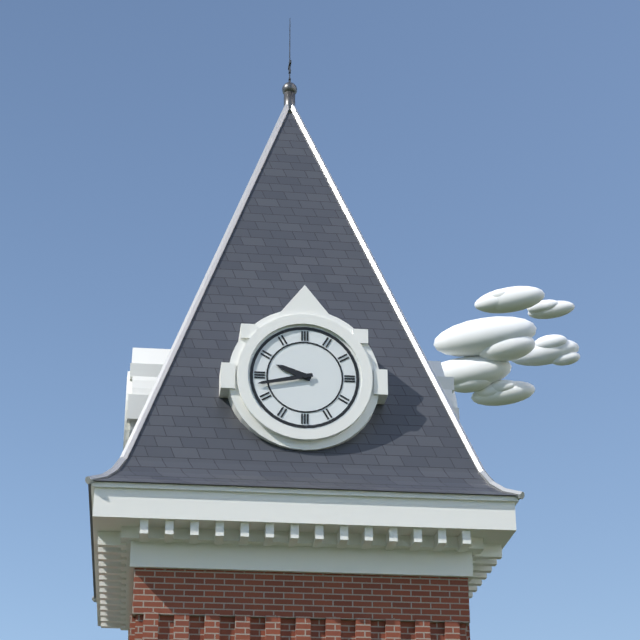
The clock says **9:43**
